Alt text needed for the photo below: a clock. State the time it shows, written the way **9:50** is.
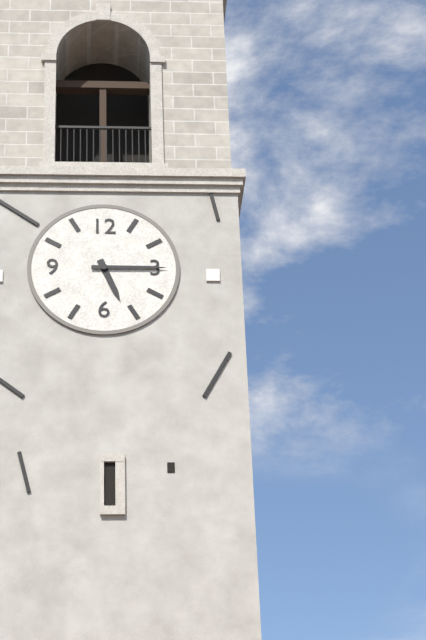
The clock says **5:15**
